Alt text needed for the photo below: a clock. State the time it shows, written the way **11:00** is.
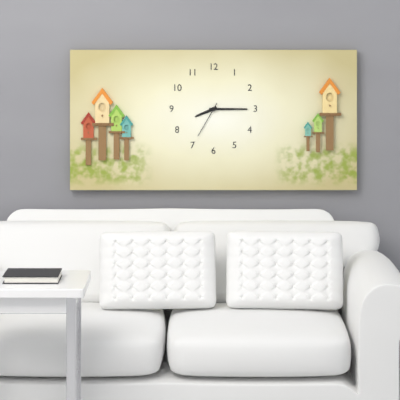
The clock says **8:15**
